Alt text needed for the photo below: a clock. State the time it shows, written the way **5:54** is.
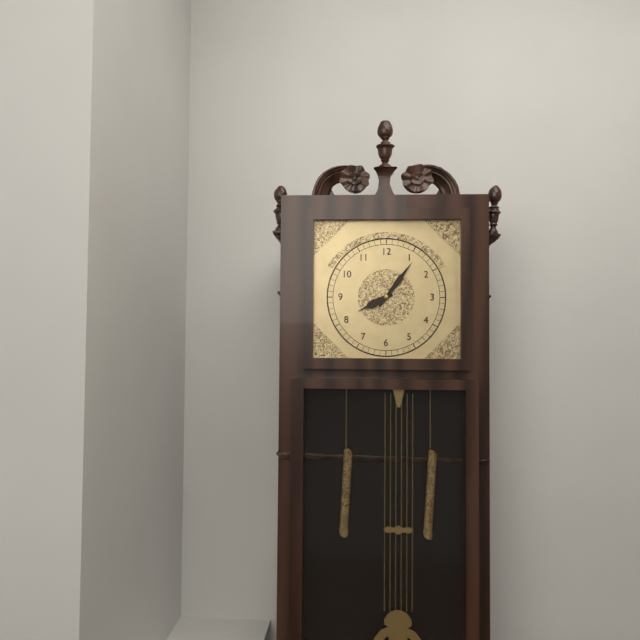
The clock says **8:06**
